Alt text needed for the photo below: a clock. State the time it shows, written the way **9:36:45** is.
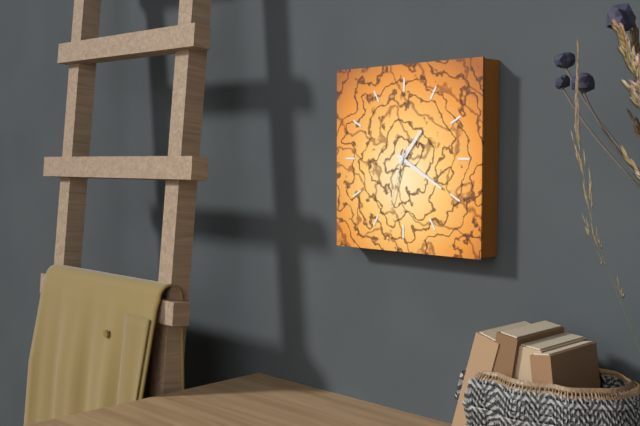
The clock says **1:20:33**
